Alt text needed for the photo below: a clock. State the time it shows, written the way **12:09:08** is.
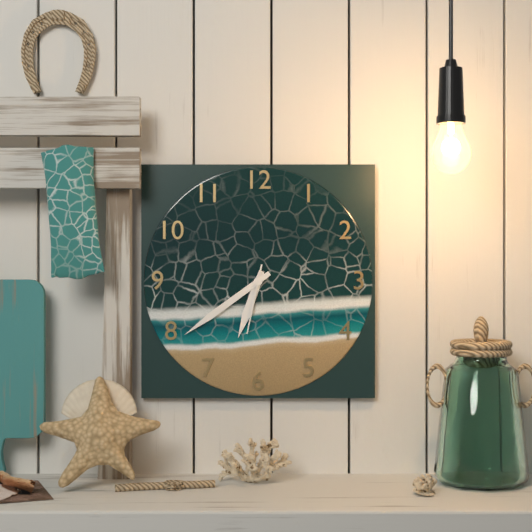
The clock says **6:39:32**
